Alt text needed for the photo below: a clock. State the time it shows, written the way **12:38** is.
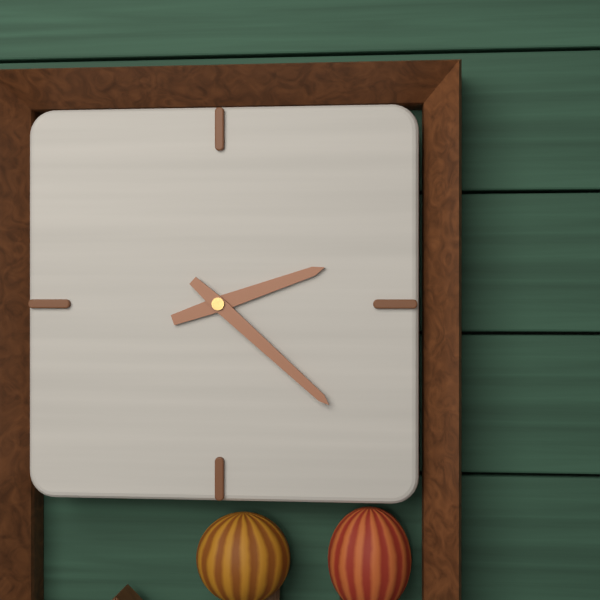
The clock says **2:22**
